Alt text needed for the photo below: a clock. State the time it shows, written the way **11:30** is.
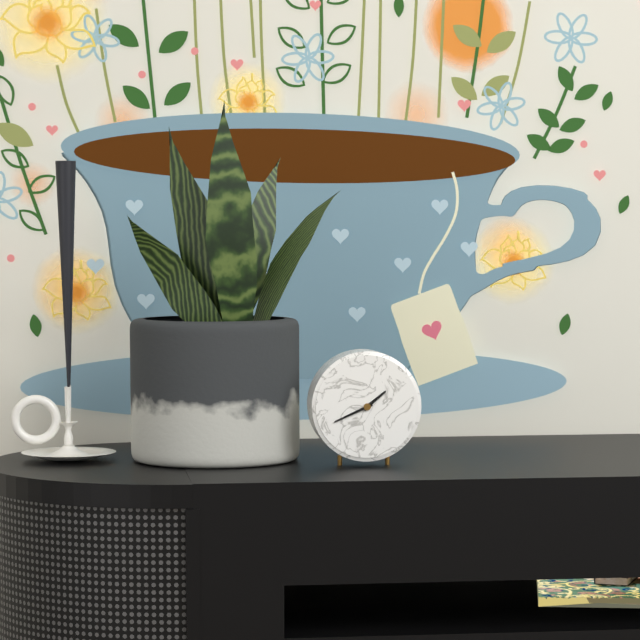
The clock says **1:41**
